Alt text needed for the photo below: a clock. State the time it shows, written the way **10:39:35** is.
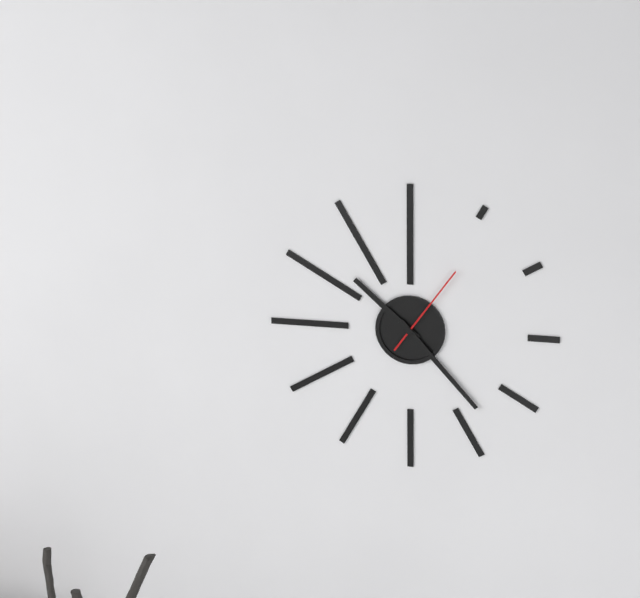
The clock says **10:23:06**
